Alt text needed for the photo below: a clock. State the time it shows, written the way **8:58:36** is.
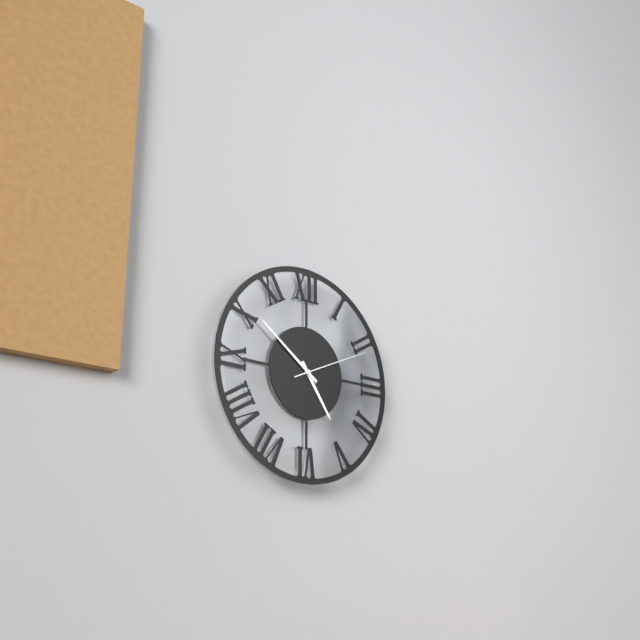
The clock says **4:51:11**
